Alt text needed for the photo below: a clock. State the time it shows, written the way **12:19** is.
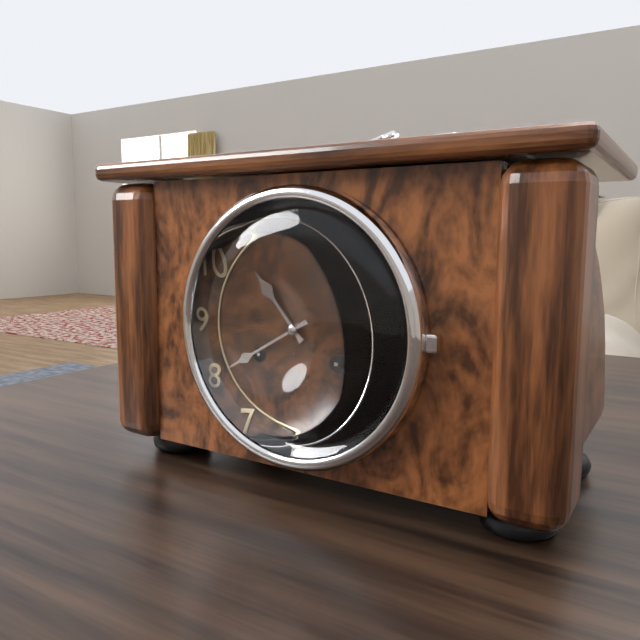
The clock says **10:40**
